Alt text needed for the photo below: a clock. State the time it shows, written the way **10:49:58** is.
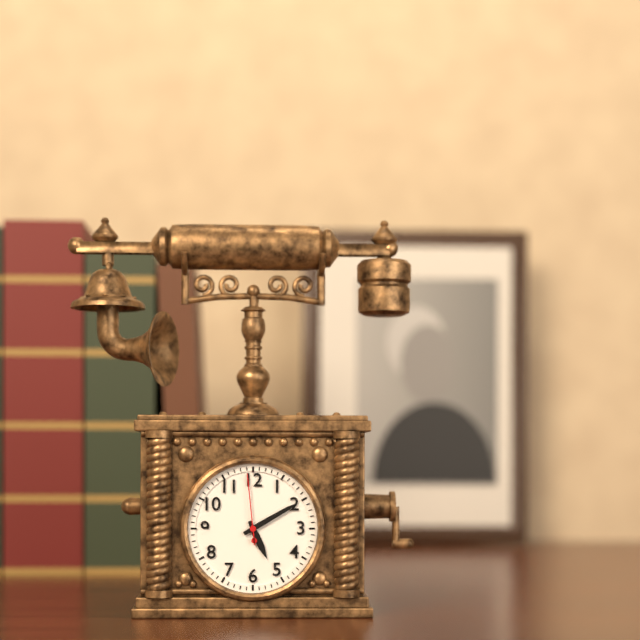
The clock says **5:10:59**
